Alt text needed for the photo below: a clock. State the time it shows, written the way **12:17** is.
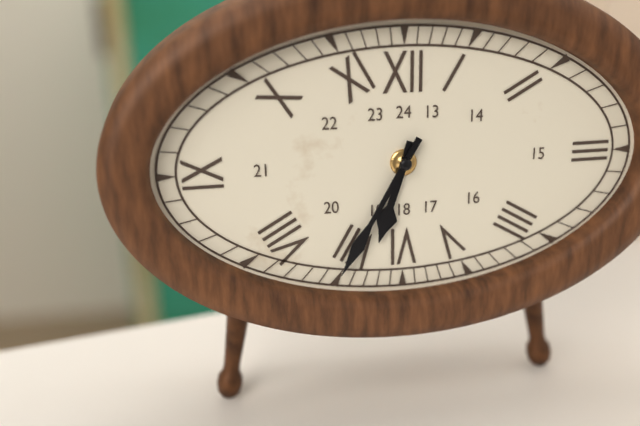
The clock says **6:35**
